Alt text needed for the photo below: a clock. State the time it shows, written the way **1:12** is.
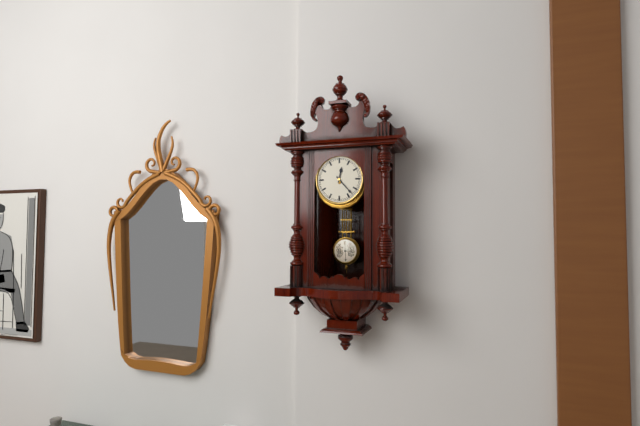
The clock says **12:23**
